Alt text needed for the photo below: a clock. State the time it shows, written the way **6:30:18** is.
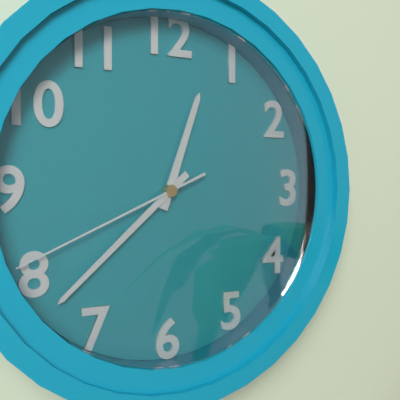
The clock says **12:38:41**
